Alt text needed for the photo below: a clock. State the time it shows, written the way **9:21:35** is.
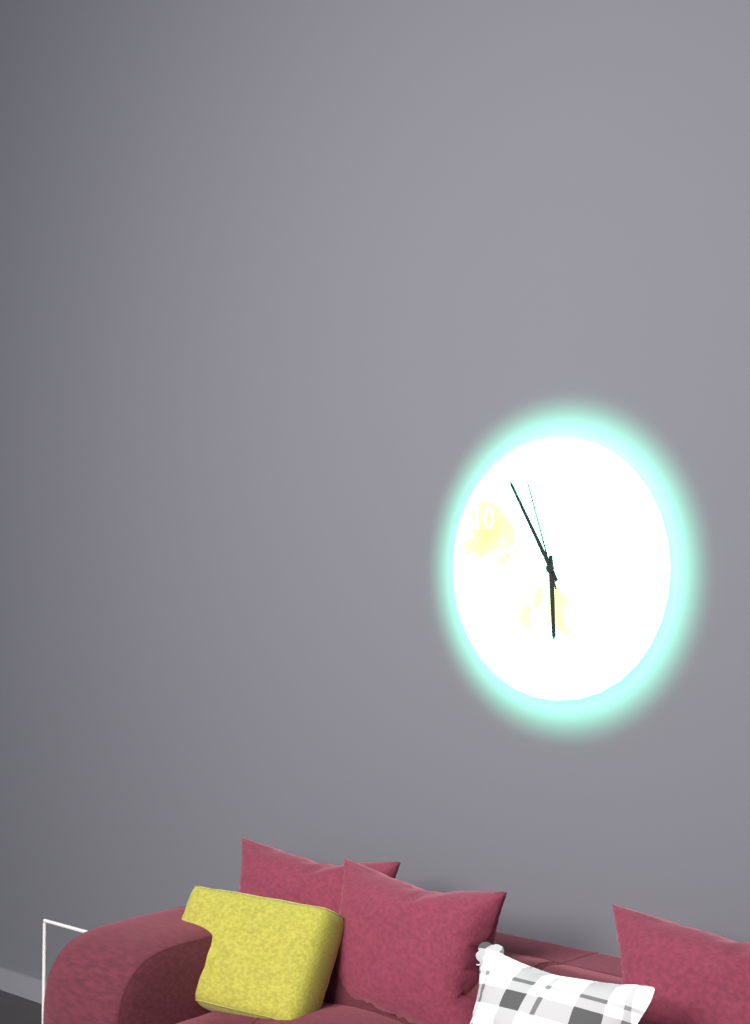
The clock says **5:55:57**
